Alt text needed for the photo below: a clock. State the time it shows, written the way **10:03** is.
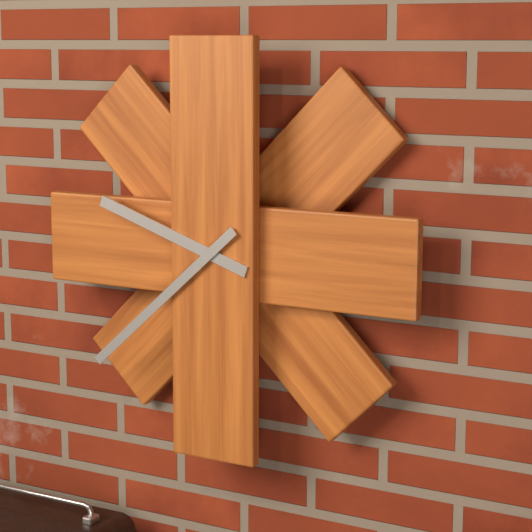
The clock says **9:38**
